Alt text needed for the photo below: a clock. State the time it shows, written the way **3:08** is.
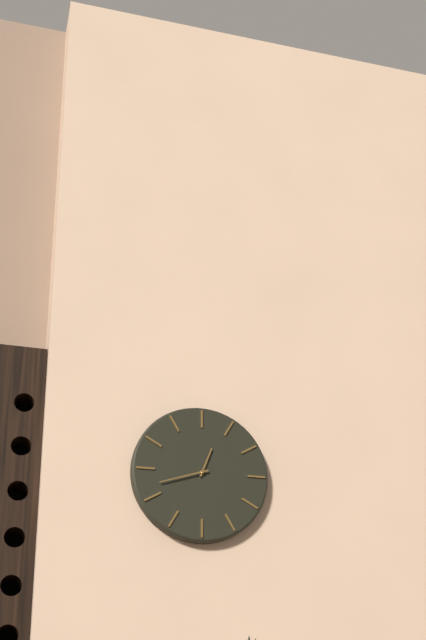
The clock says **12:42**
